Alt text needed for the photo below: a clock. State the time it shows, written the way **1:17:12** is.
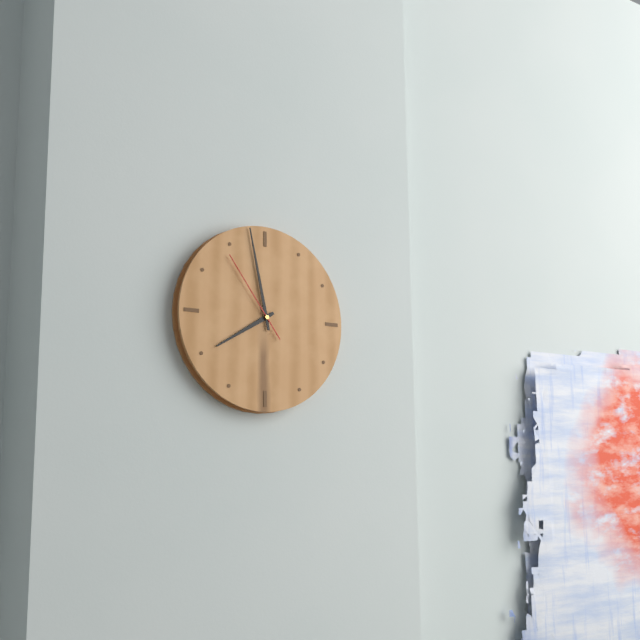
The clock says **7:58:54**
